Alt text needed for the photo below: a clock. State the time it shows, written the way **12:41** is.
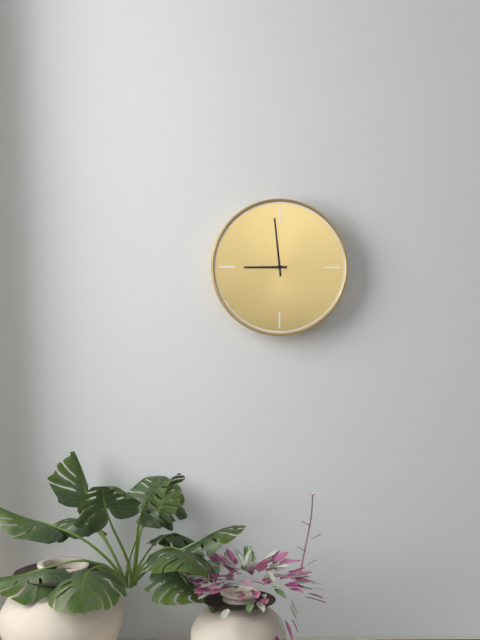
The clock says **8:59**
